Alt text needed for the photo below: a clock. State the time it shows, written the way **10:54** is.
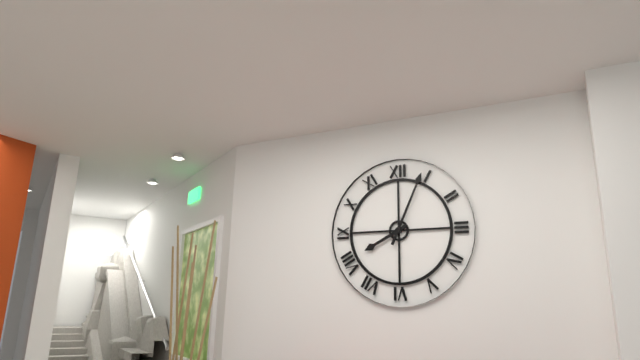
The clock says **8:04**
